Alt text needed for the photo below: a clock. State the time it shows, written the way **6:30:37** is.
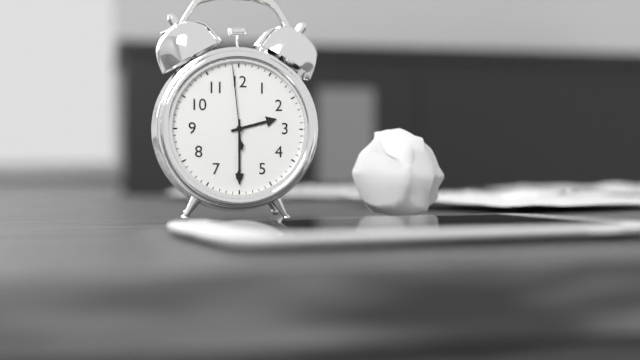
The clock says **2:30:59**
